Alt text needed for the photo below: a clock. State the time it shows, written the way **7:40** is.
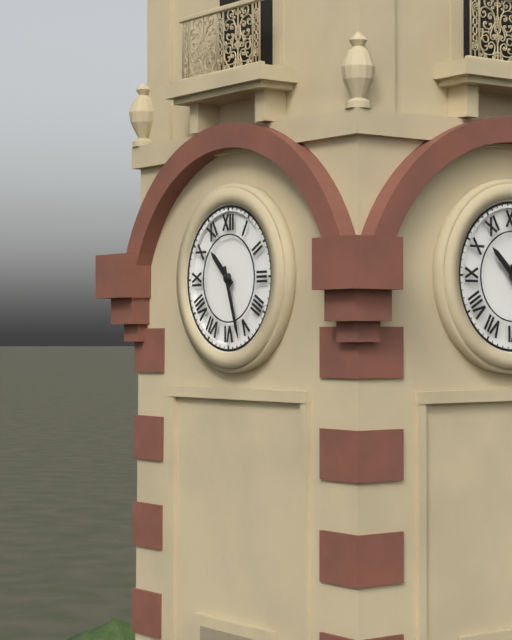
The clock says **10:27**
